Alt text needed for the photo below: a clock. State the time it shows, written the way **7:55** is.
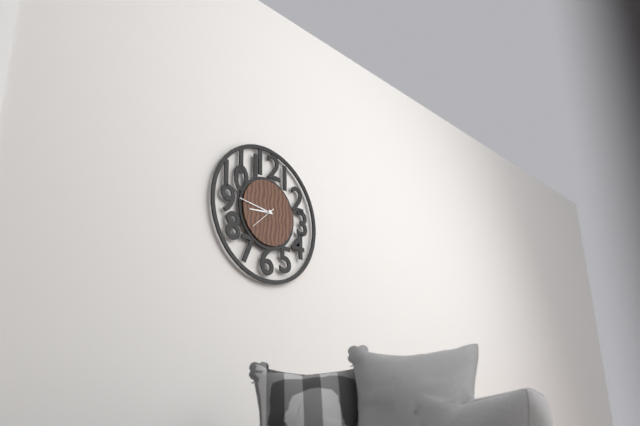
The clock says **8:46**
